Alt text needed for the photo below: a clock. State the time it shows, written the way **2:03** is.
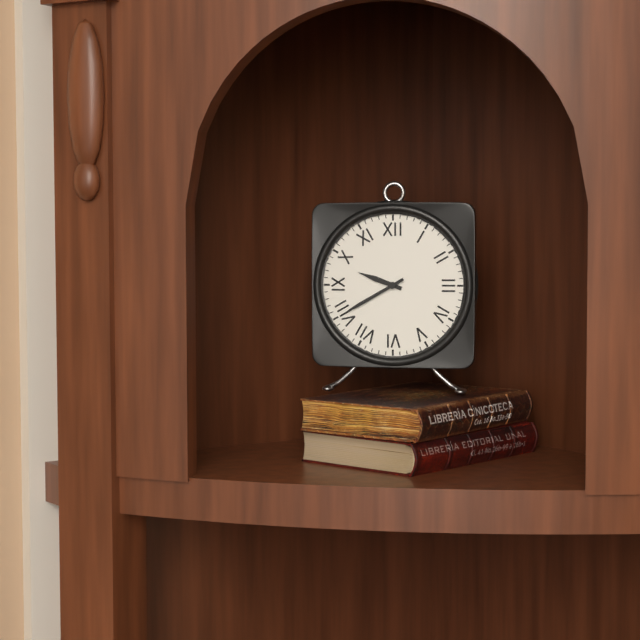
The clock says **9:40**
